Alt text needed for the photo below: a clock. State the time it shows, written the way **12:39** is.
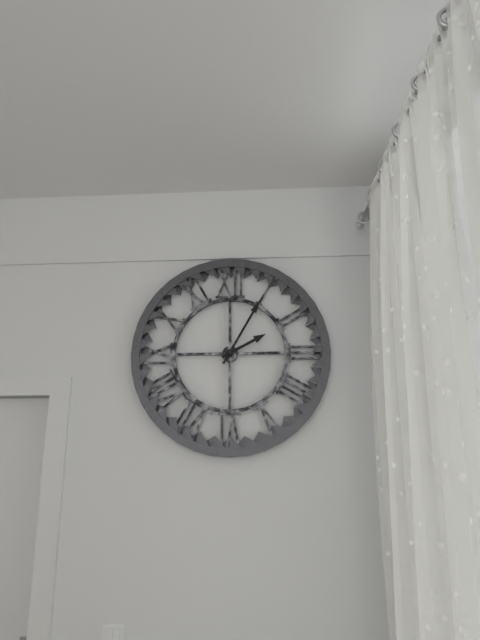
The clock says **2:05**
